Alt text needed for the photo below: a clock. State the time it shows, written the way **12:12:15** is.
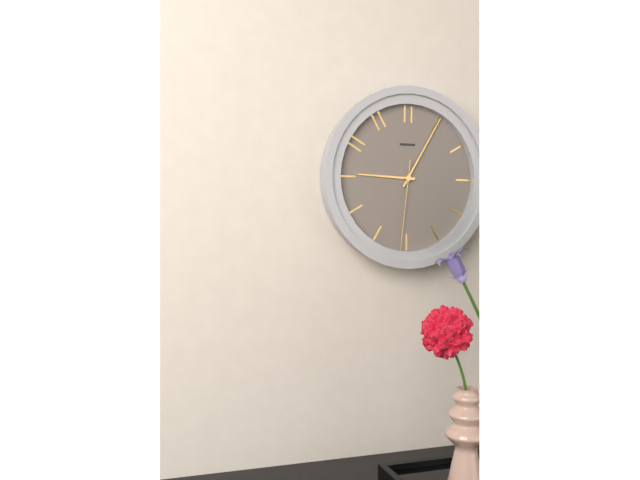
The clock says **9:05:31**
